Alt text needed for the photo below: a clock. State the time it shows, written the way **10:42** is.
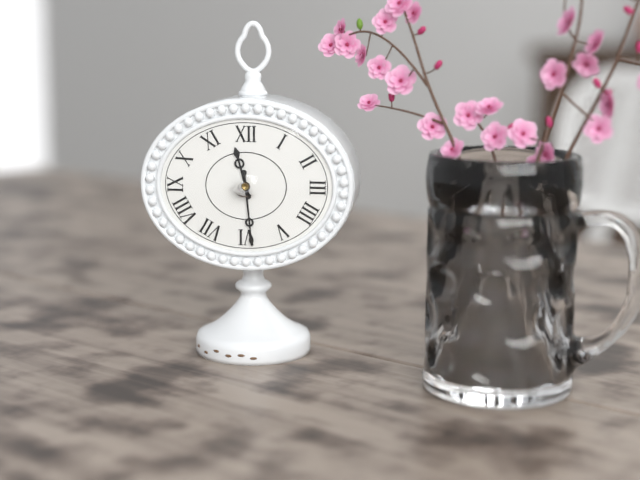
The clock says **11:29**
